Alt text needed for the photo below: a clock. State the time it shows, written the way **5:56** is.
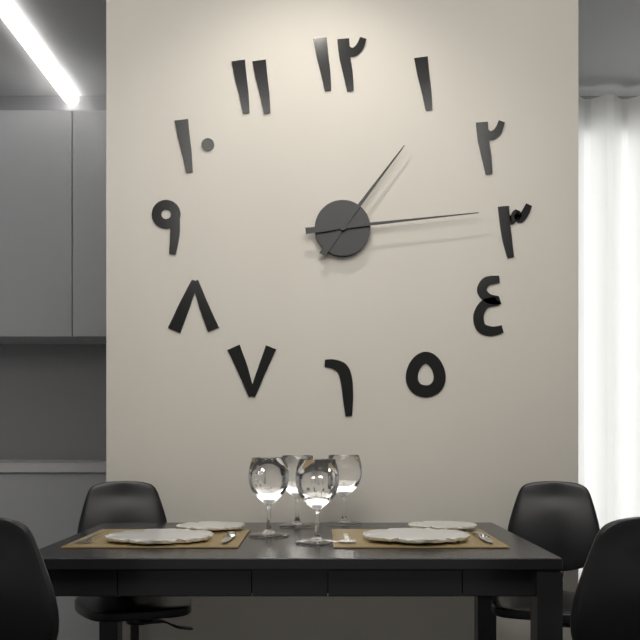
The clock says **1:14**
